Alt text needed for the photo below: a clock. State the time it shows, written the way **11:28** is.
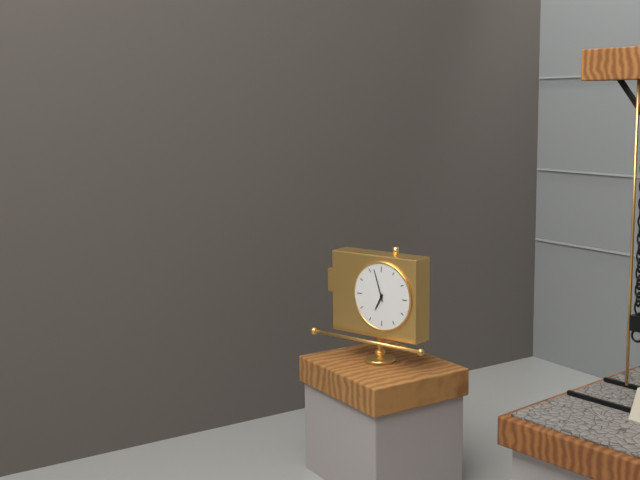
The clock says **6:57**
